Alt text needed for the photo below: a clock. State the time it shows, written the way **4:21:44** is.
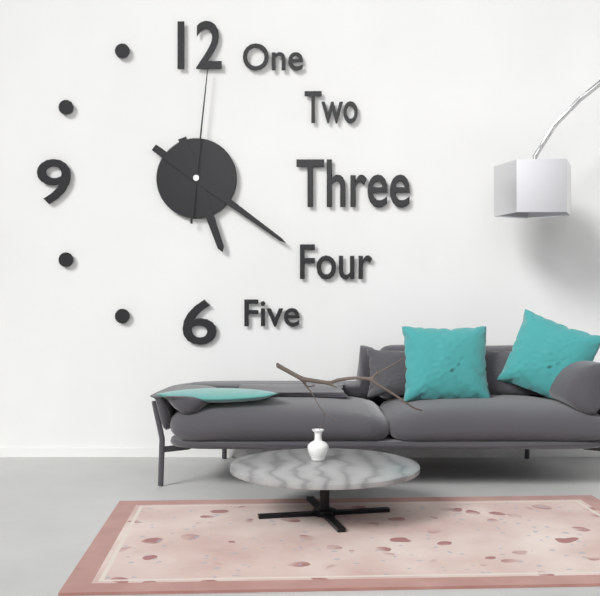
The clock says **5:21:01**
